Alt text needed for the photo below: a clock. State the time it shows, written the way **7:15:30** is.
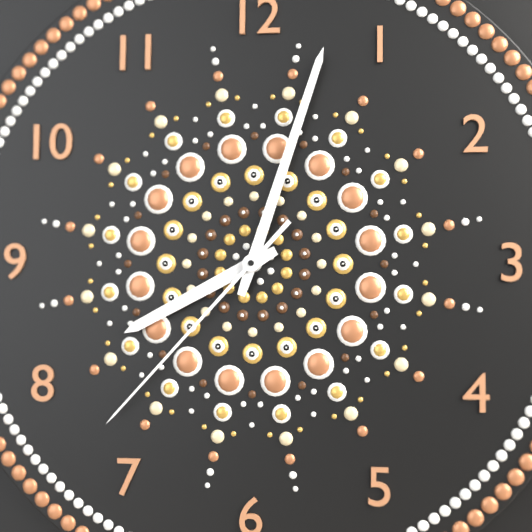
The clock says **8:03:37**
